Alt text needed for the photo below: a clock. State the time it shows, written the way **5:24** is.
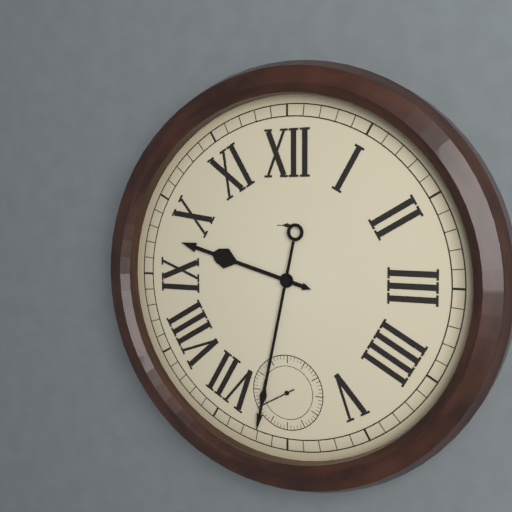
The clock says **9:32**
